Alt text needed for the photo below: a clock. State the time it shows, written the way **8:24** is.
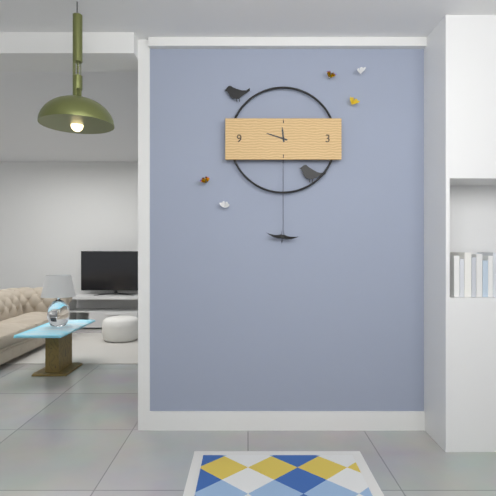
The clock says **11:48**
